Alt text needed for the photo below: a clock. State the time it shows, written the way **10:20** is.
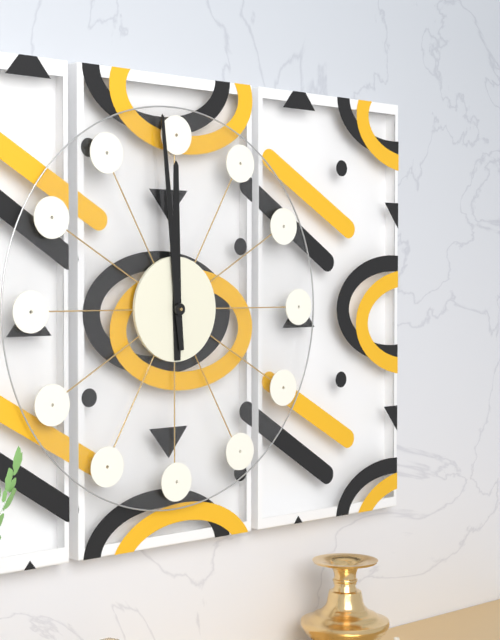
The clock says **11:59**
